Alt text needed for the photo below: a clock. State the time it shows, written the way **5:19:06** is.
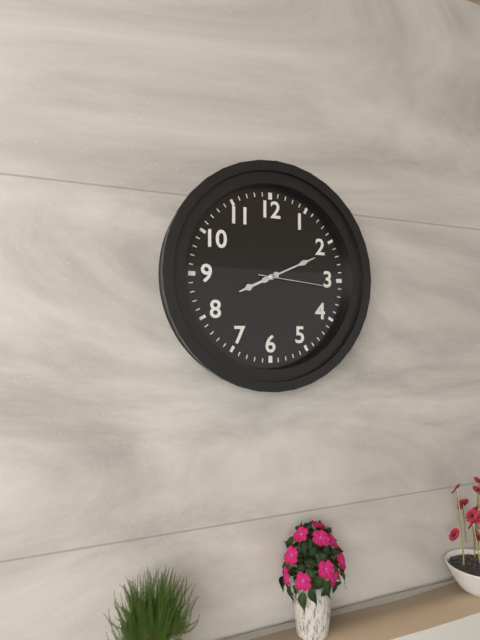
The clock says **8:11:16**
